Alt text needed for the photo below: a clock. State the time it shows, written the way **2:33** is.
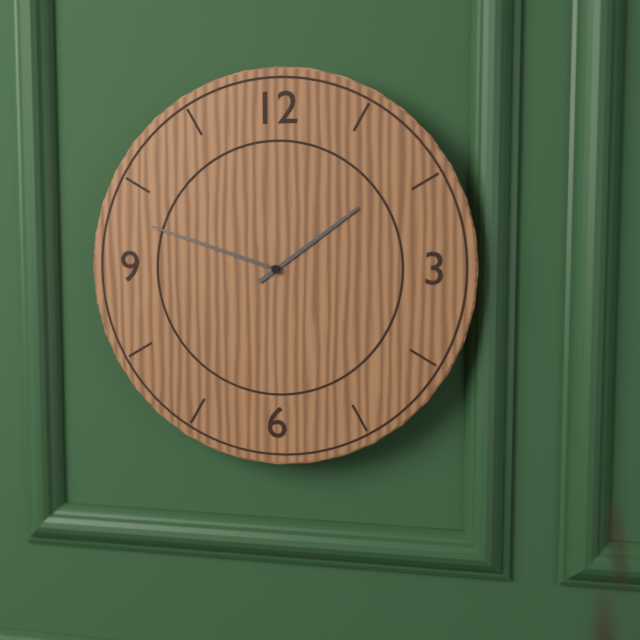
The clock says **1:48**
